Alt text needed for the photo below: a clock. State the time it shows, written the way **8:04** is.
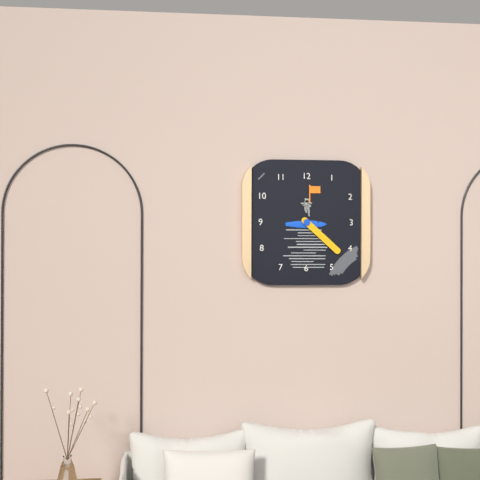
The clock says **4:22**
